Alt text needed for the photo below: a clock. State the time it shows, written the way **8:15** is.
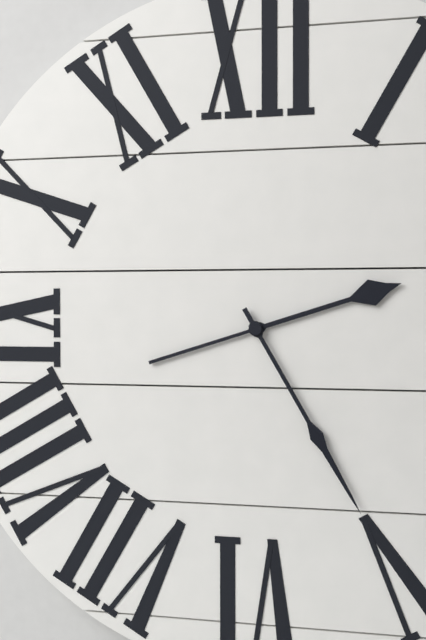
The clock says **2:25**
